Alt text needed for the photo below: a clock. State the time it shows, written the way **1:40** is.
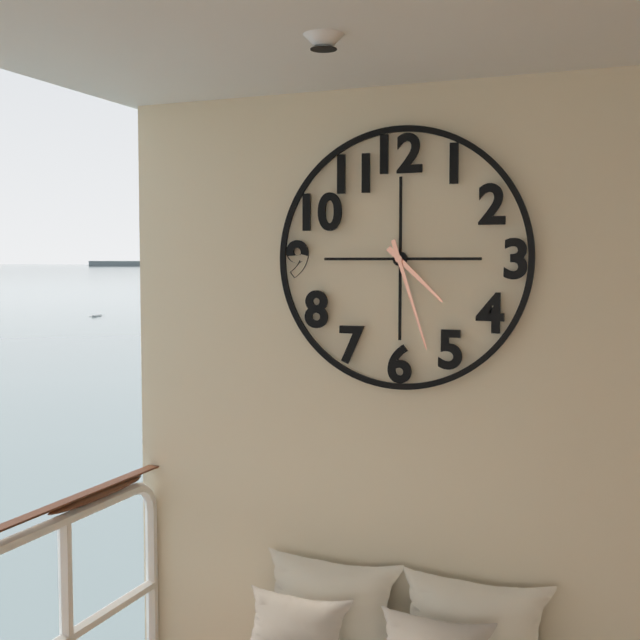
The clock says **4:27**
